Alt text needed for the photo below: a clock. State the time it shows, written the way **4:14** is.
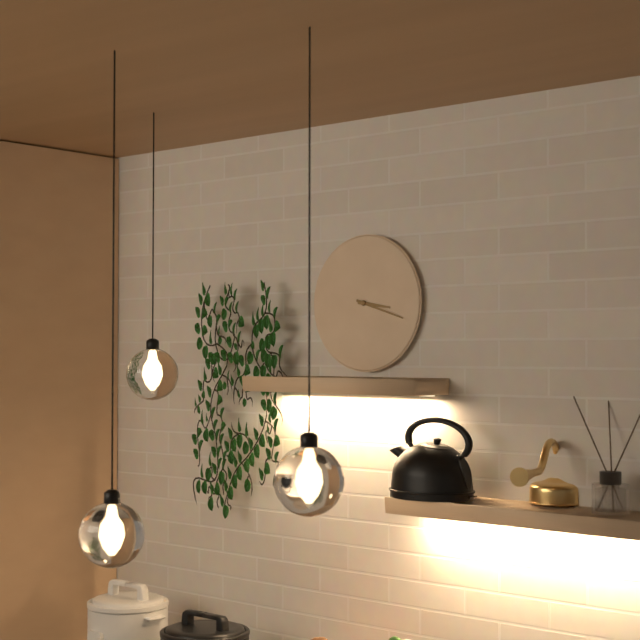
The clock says **3:18**
